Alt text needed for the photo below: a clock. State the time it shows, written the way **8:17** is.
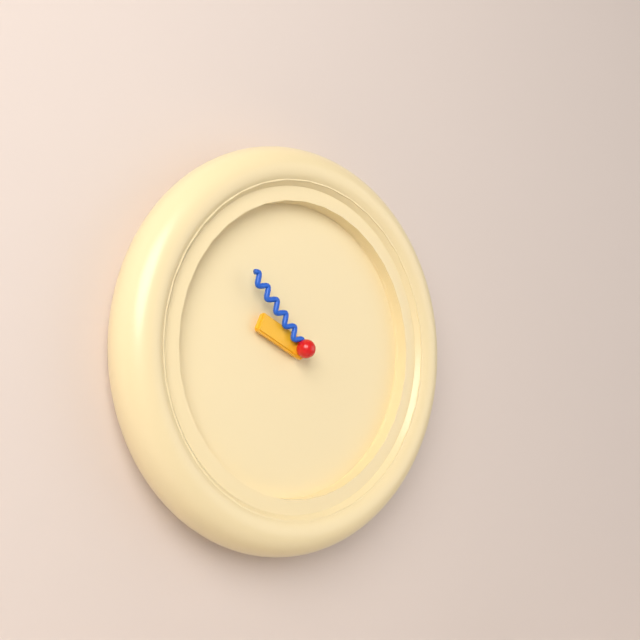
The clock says **9:53**
